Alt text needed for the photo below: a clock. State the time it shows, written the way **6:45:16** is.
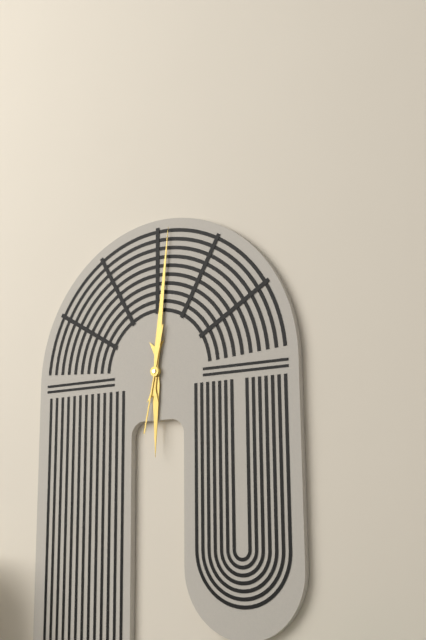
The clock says **6:01:32**
